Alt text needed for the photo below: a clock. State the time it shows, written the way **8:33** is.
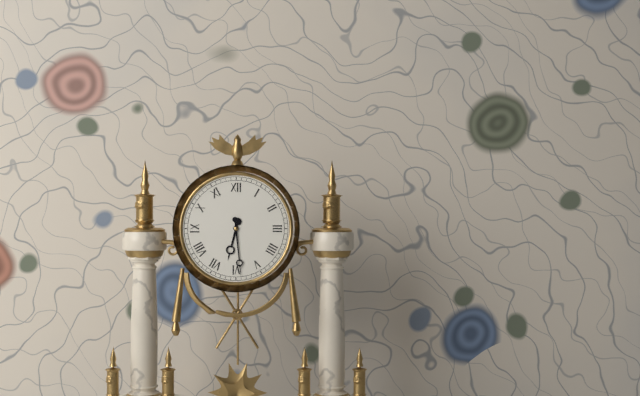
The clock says **6:29**
